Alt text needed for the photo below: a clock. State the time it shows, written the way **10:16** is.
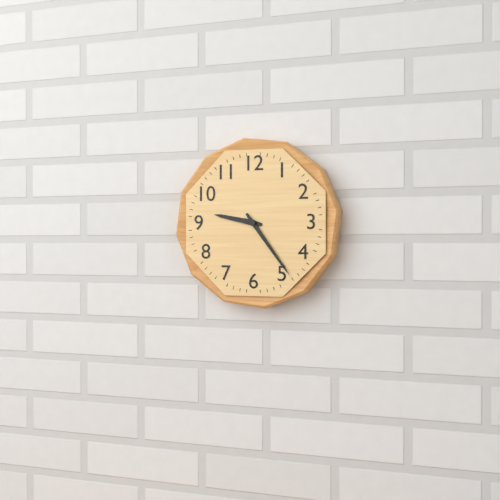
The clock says **9:24**
